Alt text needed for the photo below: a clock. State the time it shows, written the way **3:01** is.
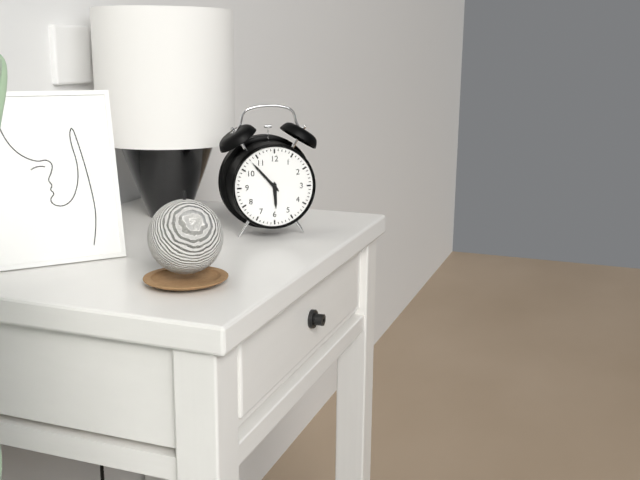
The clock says **5:53**
